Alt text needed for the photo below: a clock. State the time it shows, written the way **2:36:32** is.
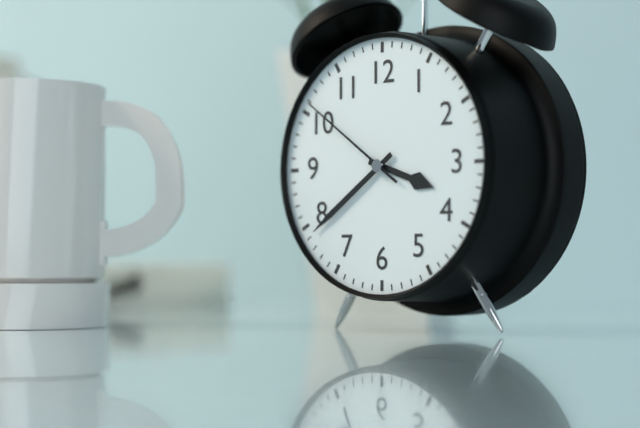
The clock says **3:39:51**
